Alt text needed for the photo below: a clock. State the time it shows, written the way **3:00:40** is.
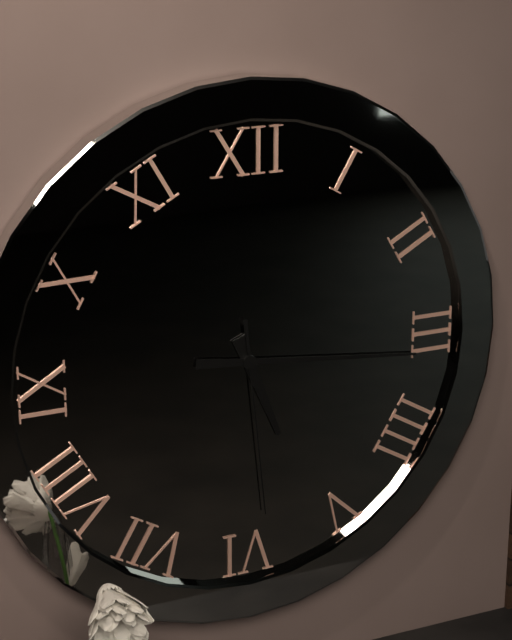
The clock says **5:16:29**
